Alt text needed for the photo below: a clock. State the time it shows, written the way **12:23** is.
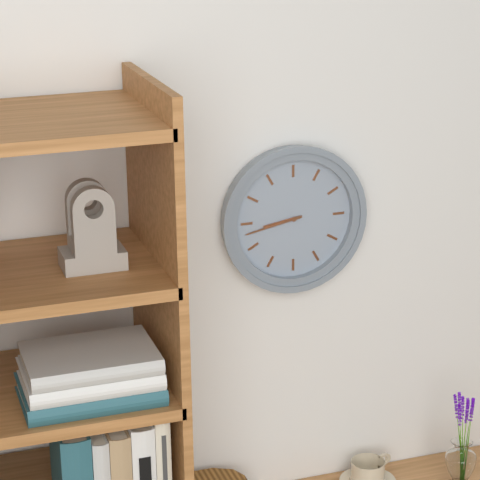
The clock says **8:43**
